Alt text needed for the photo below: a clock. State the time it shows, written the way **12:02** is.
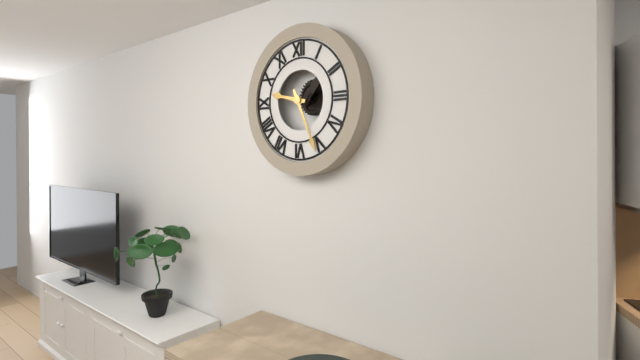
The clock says **9:26**
